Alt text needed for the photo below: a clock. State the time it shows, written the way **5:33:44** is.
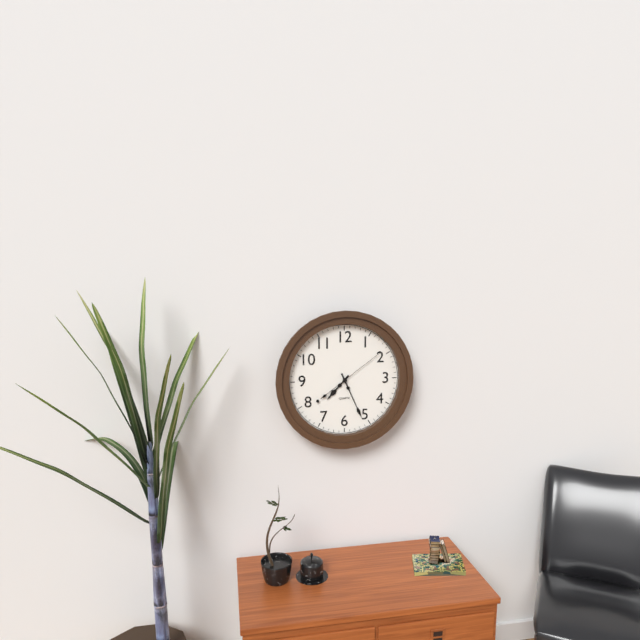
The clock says **7:26:09**
